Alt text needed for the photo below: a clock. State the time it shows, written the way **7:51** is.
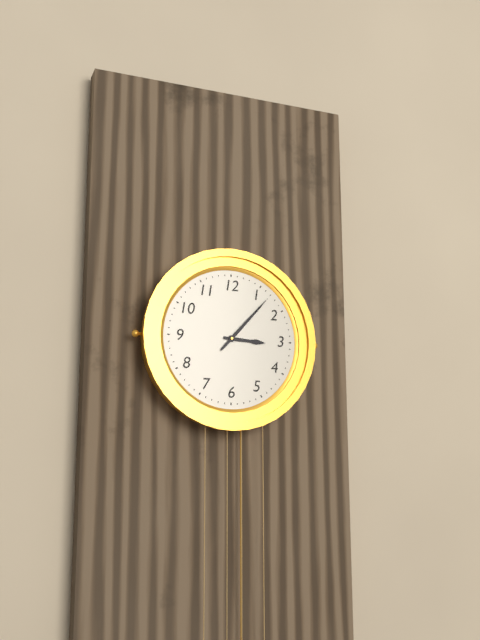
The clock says **3:07**
